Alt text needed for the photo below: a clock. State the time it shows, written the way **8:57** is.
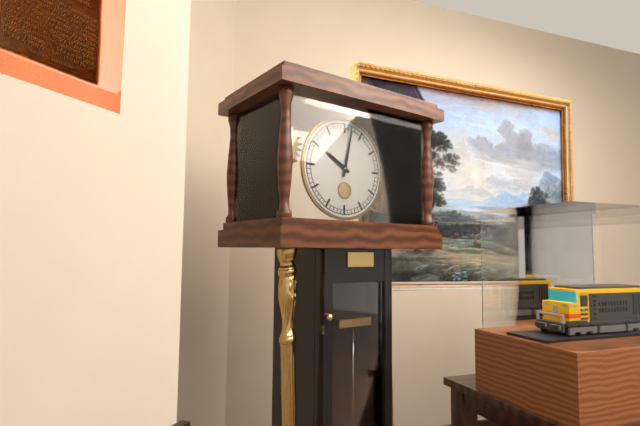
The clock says **10:02**
